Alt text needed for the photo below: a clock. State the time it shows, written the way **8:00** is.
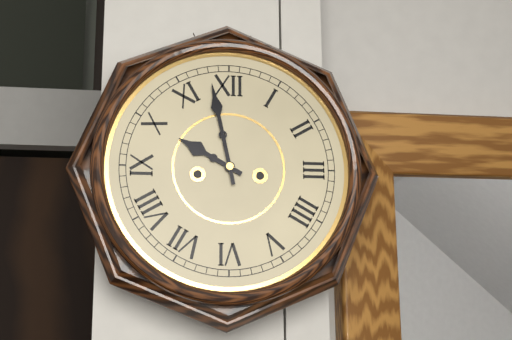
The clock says **9:58**
